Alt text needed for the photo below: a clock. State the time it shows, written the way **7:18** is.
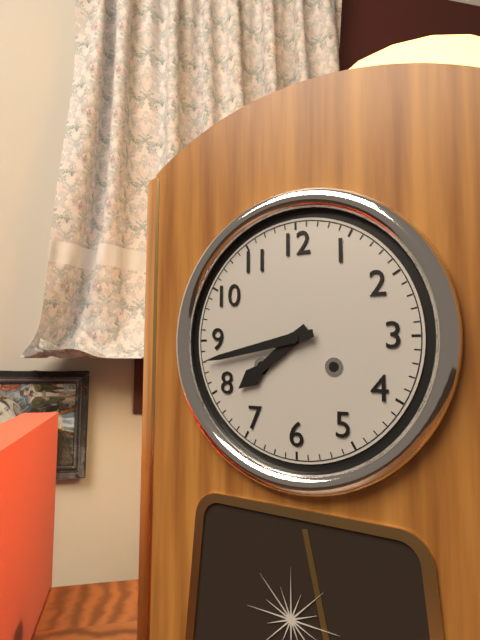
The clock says **7:43**
